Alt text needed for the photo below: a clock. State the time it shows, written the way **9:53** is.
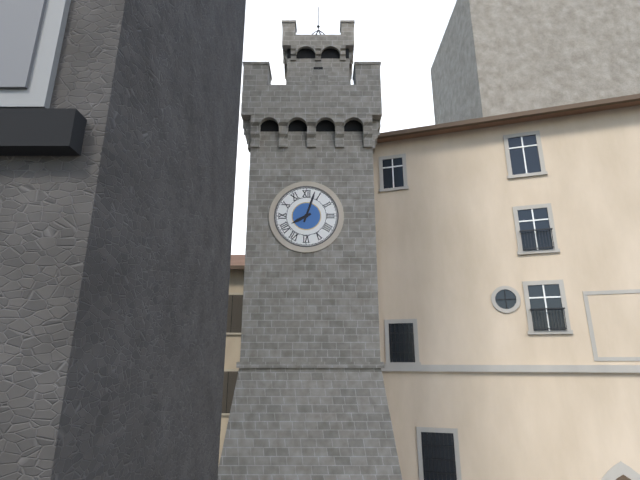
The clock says **8:03**
